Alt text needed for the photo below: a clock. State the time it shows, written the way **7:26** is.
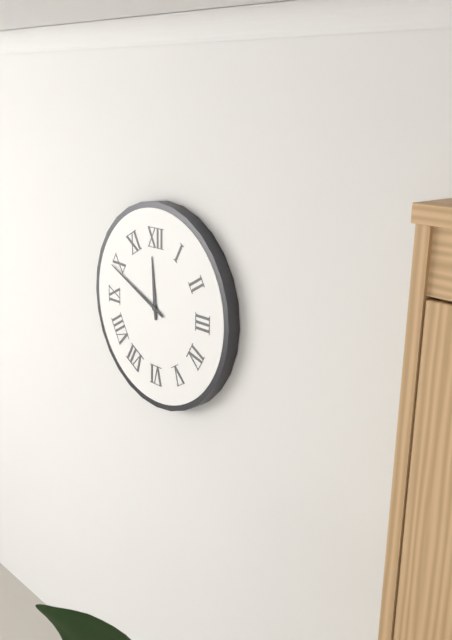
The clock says **11:49**
